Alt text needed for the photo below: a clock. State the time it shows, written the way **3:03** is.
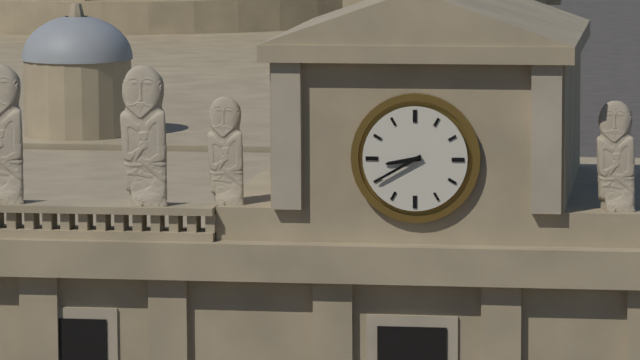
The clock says **8:40**
